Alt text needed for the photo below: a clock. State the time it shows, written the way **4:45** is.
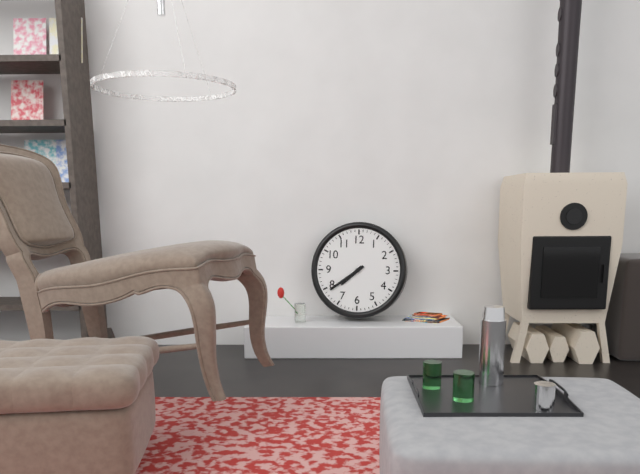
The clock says **7:39**
